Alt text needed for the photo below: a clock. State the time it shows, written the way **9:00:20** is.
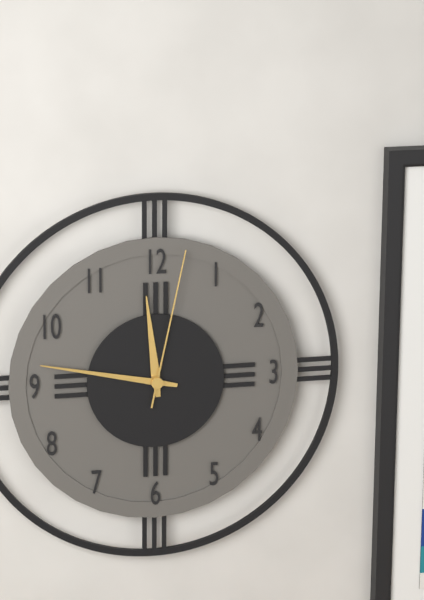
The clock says **11:47:02**
